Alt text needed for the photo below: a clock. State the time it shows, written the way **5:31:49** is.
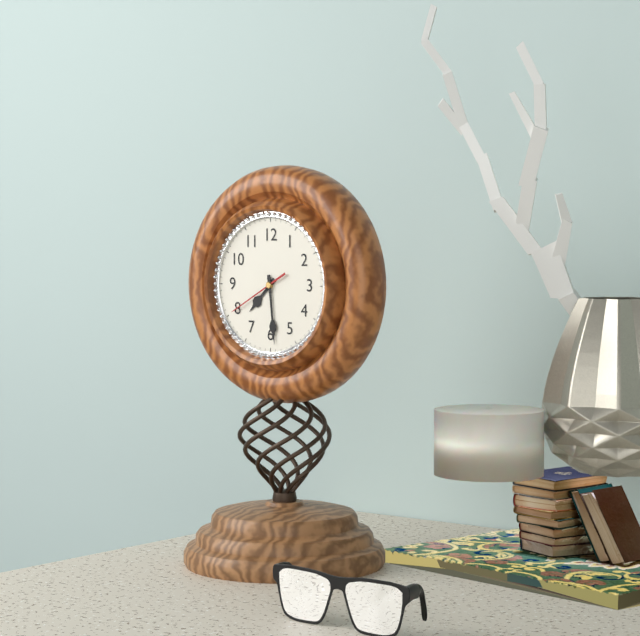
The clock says **7:29:40**
